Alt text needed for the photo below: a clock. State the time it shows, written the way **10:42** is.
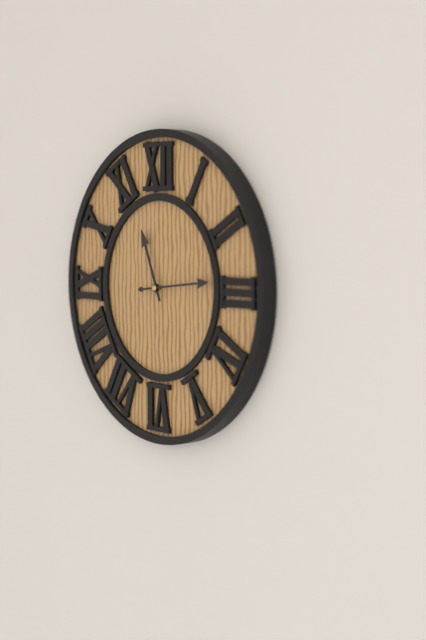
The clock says **11:14**
